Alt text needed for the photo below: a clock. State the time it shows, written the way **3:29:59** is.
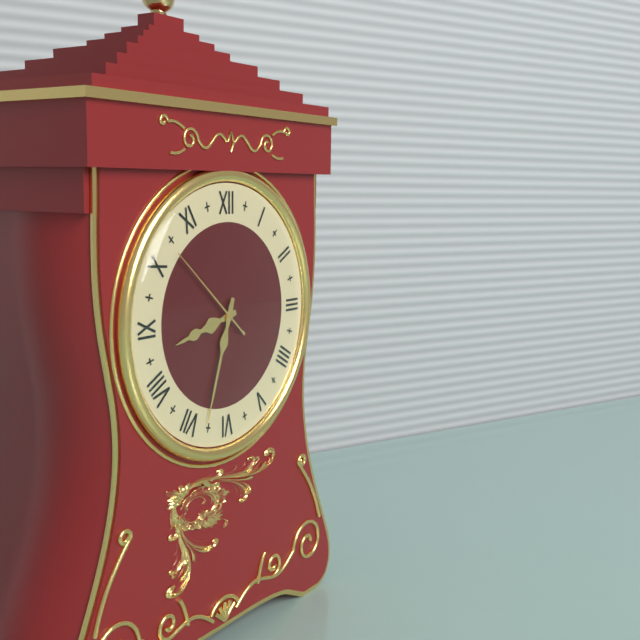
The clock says **8:33:52**
